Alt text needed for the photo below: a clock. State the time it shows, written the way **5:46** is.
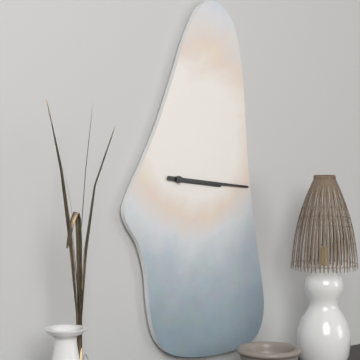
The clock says **3:16**
